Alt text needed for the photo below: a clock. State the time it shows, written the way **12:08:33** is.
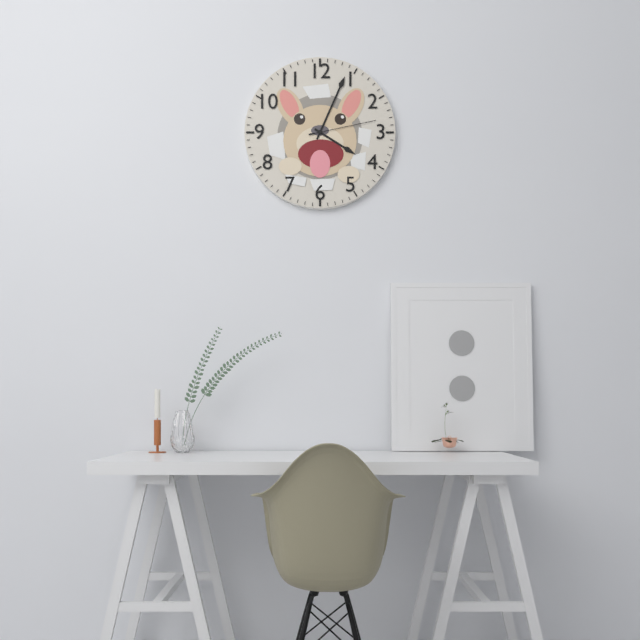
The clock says **4:04:13**
